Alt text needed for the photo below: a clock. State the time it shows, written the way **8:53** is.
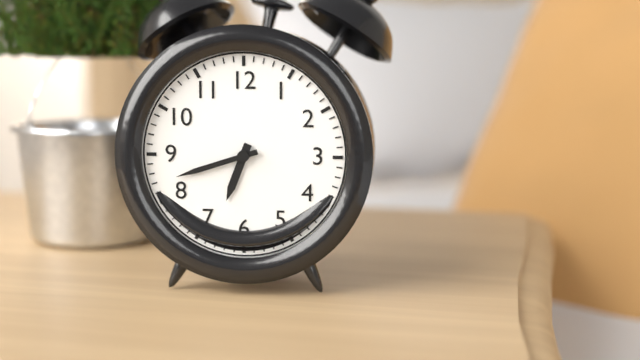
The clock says **6:42**
